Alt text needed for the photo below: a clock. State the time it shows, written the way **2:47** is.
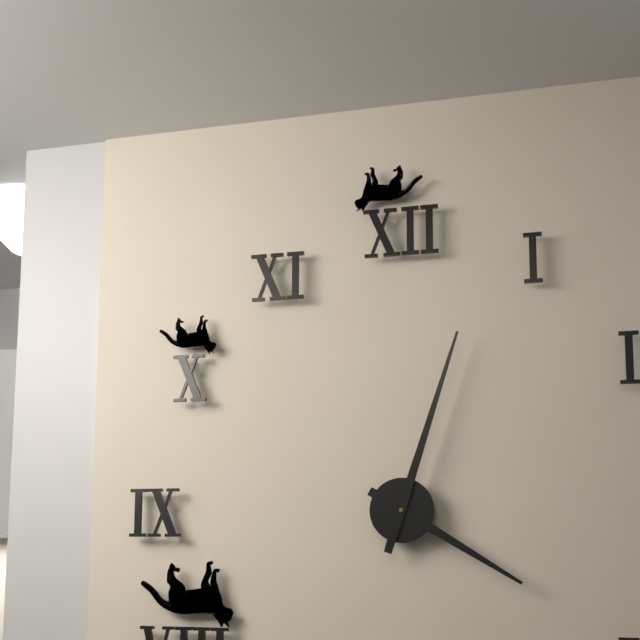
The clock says **4:03**
